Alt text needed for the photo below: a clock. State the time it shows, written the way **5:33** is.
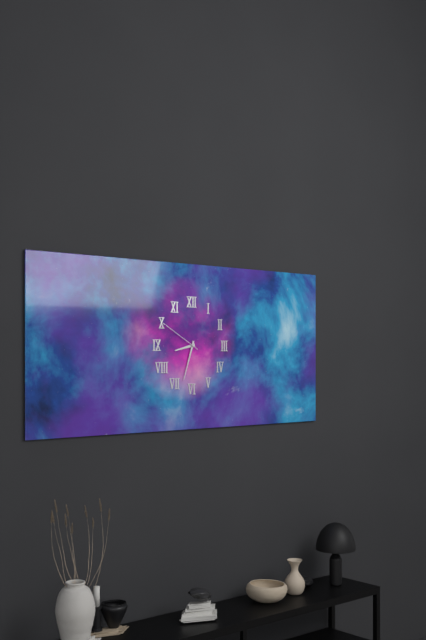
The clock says **8:33**
